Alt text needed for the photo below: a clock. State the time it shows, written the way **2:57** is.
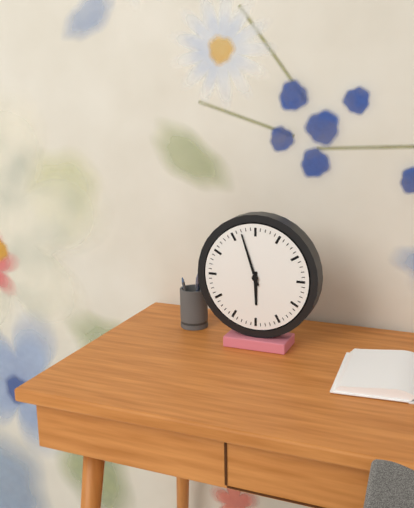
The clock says **5:57**
